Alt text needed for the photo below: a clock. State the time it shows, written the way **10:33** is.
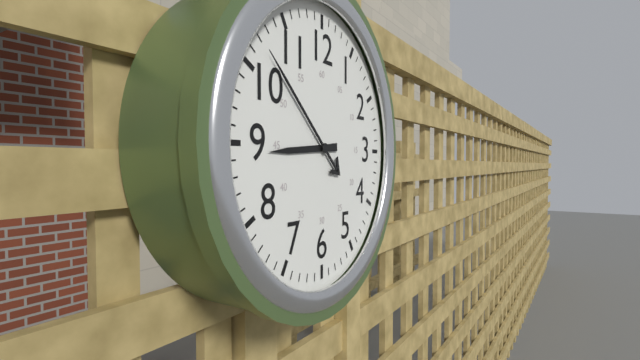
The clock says **8:52**
